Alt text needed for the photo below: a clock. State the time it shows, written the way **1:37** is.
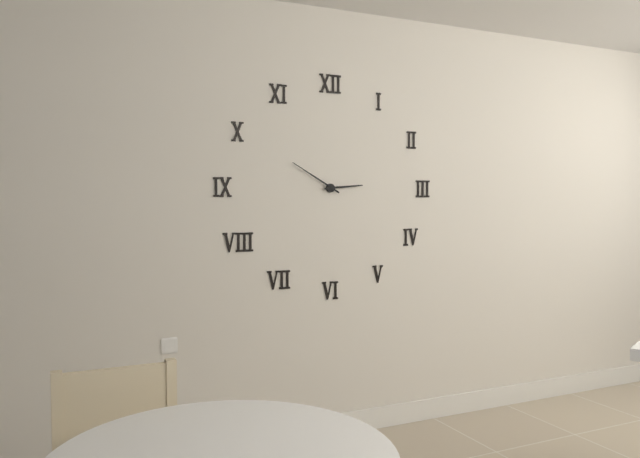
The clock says **2:50**
